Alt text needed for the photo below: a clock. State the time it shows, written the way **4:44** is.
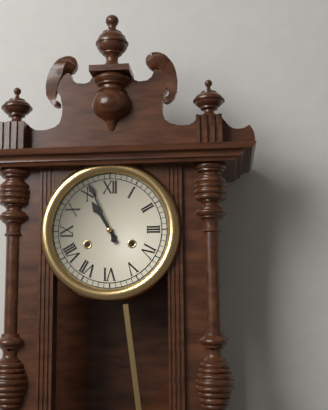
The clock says **10:56**
